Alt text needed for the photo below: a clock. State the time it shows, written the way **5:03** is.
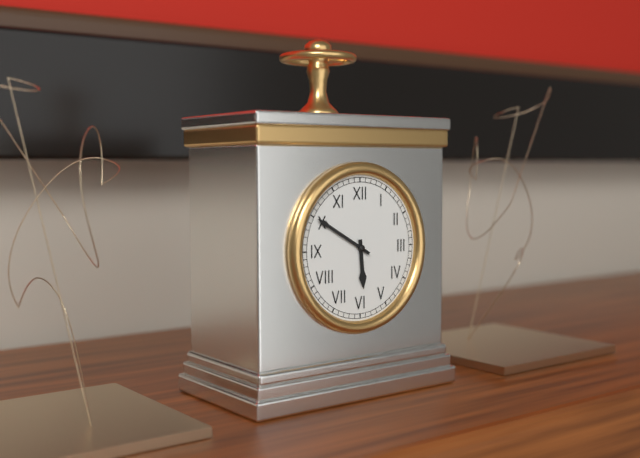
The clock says **5:50**
